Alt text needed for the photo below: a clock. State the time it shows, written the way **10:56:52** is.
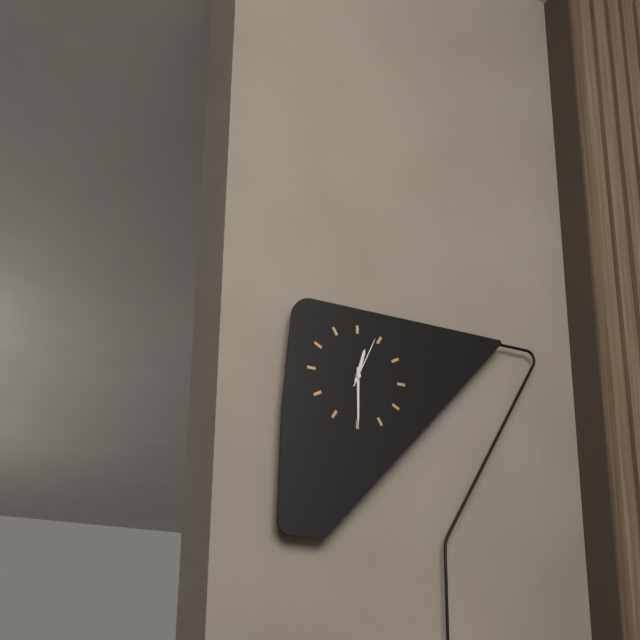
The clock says **12:30:04**
